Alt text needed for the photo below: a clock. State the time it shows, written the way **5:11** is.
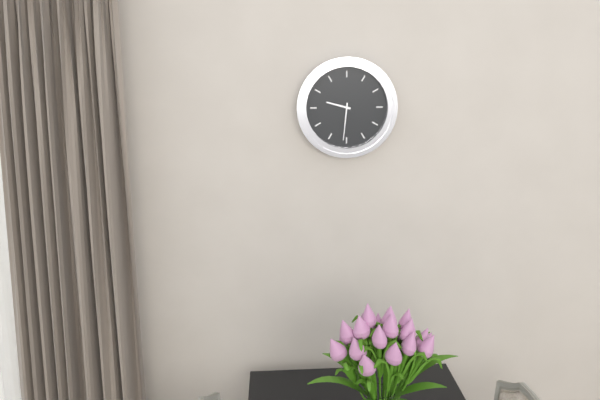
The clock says **9:31**
